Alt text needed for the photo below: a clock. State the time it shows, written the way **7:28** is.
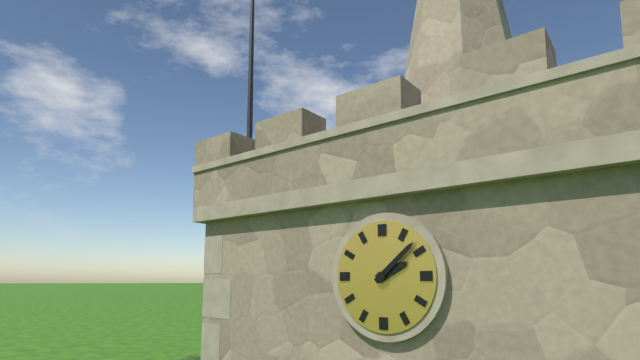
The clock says **2:08**
